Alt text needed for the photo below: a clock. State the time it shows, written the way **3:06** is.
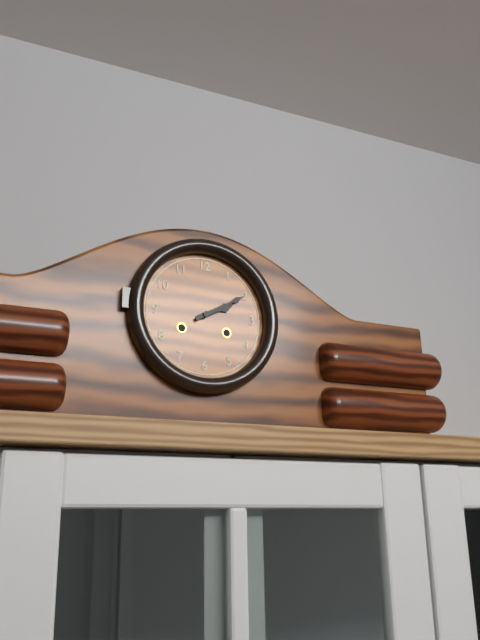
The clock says **2:10**
